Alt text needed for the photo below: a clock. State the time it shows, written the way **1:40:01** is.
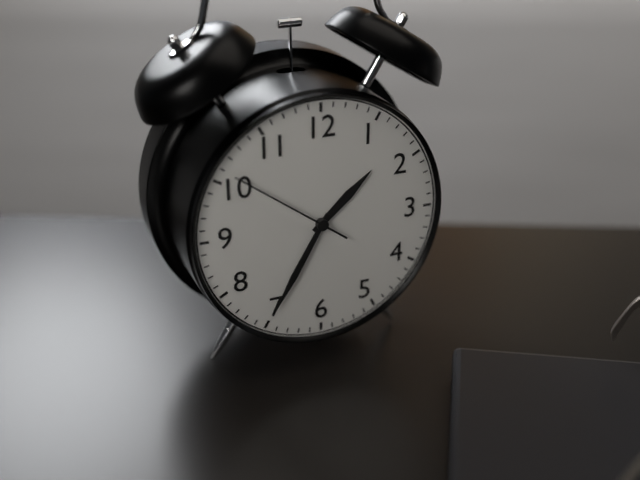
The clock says **1:35:51**
